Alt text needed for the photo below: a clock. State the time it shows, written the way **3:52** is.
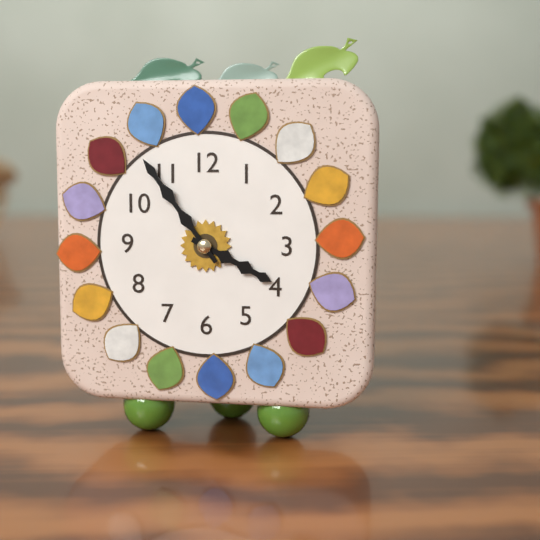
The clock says **3:54**
